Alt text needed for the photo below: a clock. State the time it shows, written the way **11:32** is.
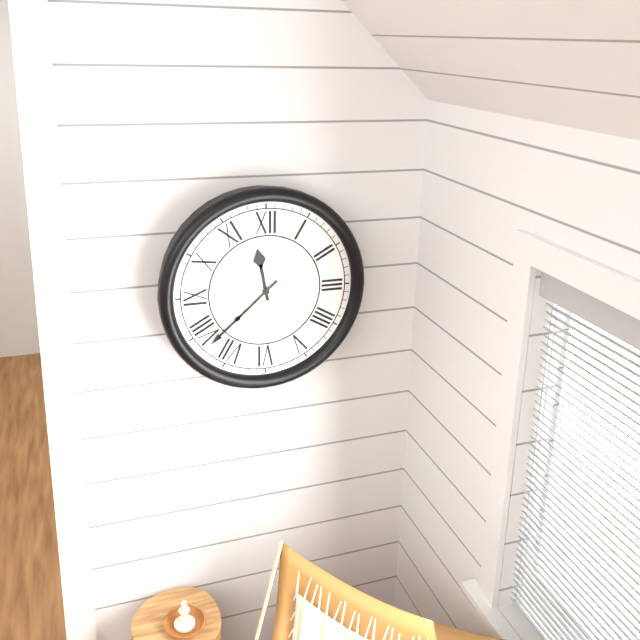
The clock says **11:38**
